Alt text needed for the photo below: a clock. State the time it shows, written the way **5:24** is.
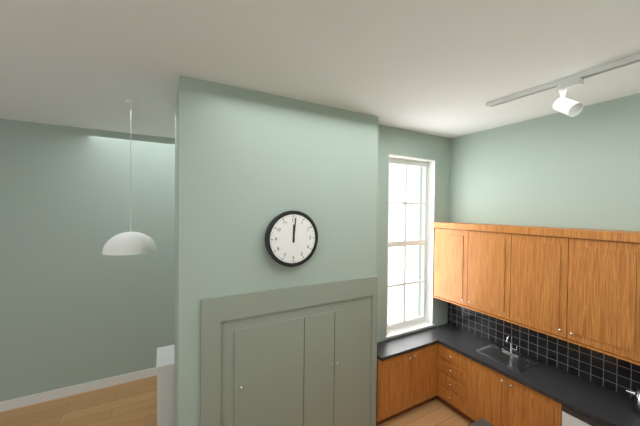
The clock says **12:01**
